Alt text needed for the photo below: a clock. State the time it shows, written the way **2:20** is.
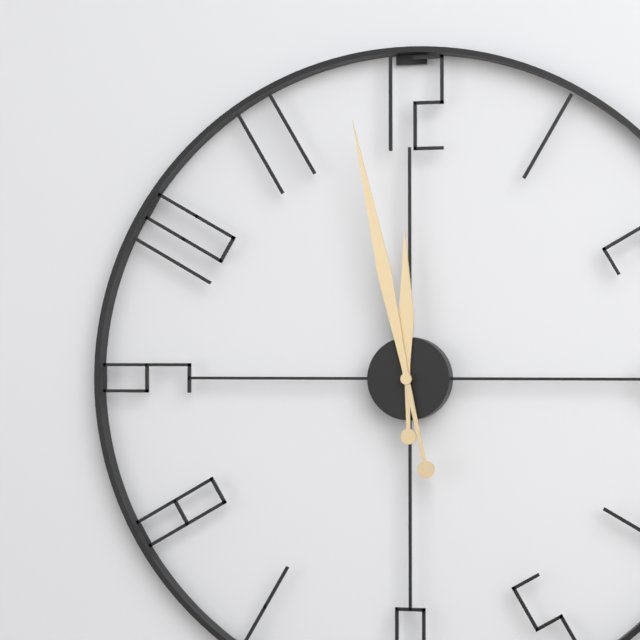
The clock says **11:58**
